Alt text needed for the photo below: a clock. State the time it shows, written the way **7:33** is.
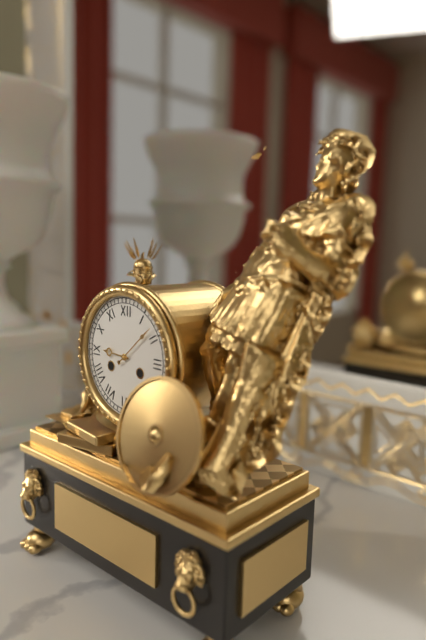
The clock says **9:08**
